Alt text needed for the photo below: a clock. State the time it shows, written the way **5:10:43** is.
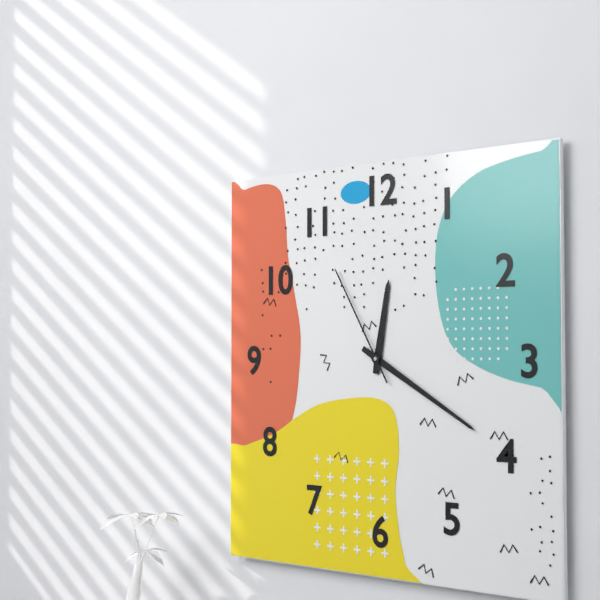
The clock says **12:20:55**
